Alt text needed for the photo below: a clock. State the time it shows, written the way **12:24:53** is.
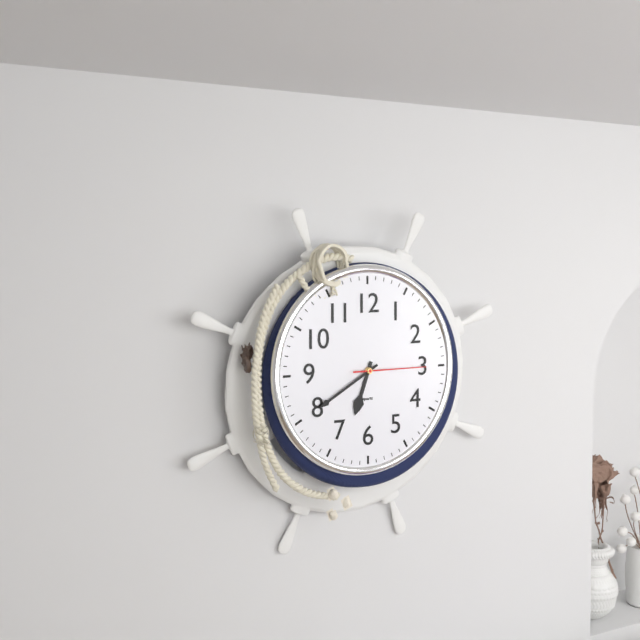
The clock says **6:40:15**
